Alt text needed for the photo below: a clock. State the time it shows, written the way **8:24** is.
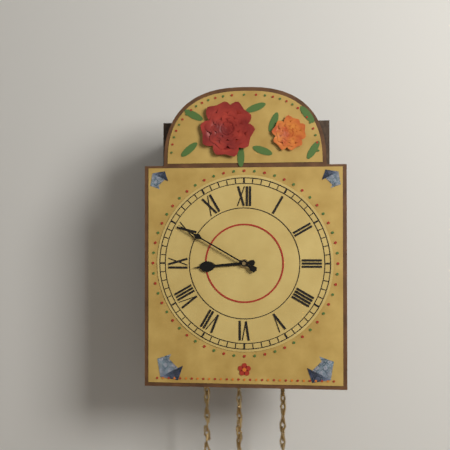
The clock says **8:50**
